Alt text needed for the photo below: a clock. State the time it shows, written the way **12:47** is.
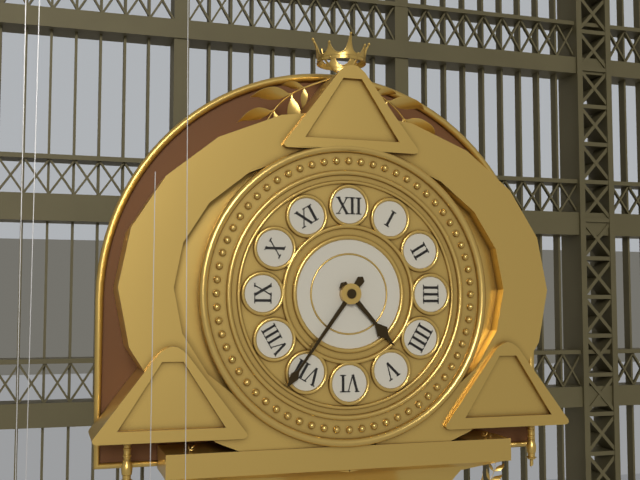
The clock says **4:36**
